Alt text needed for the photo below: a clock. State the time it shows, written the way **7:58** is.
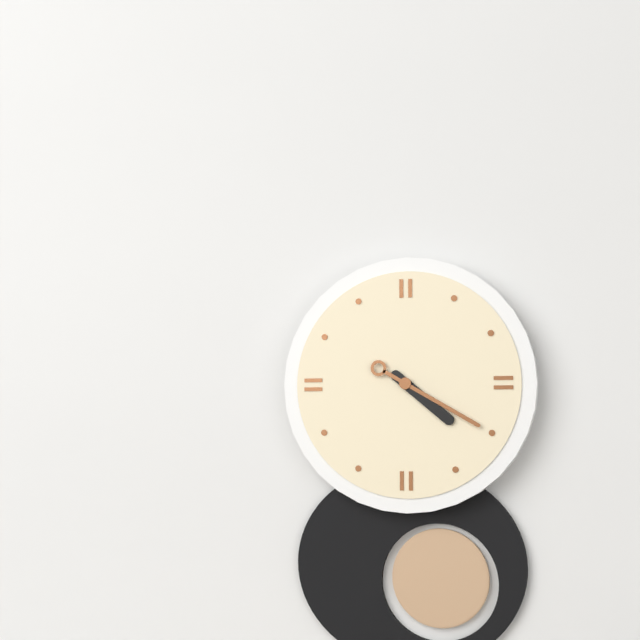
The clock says **4:20**
